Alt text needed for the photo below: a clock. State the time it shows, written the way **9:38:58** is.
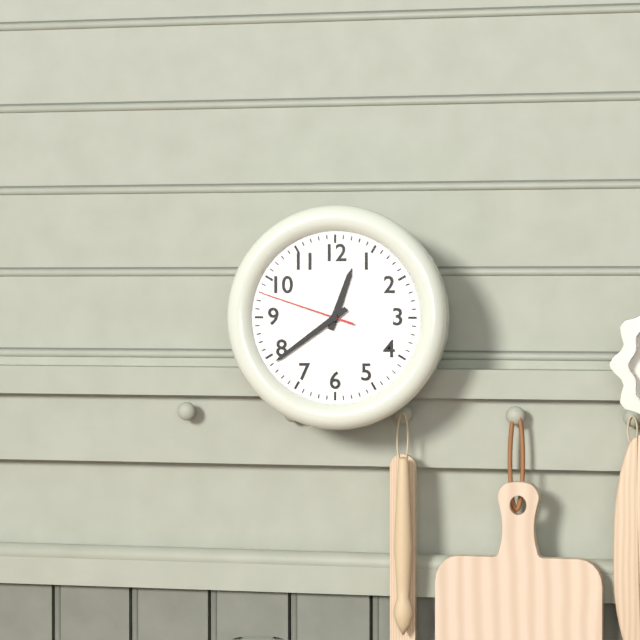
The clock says **12:39:48**
